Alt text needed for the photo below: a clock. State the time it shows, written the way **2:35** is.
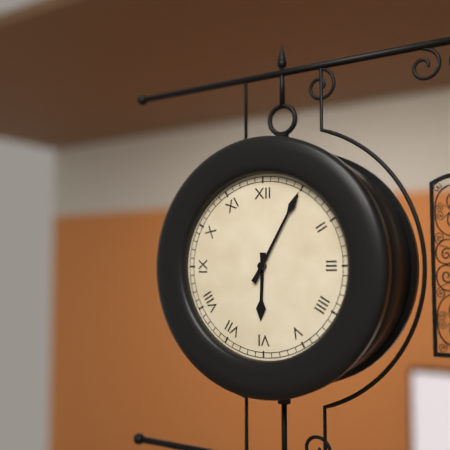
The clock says **6:05**
